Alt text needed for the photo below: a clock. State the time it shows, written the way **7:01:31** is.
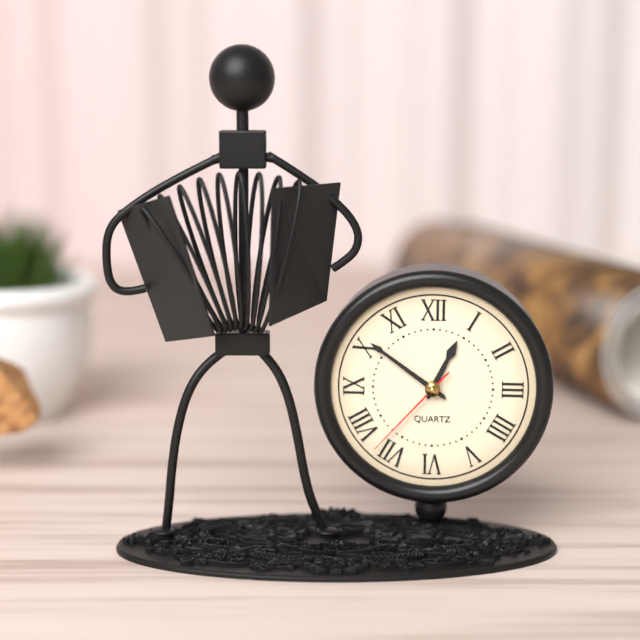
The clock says **12:51:37**
